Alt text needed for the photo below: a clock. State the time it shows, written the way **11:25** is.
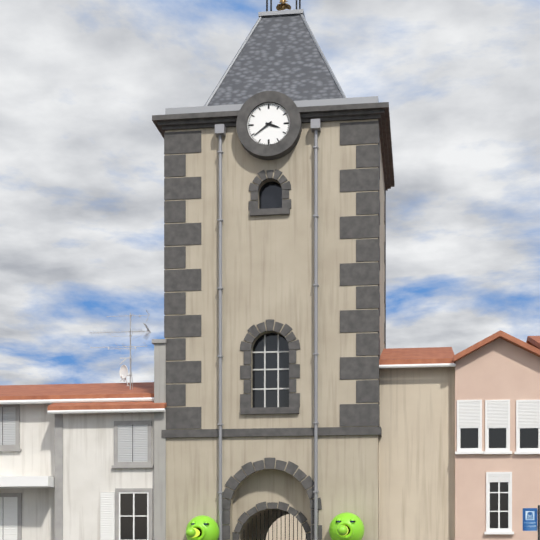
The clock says **3:39**
